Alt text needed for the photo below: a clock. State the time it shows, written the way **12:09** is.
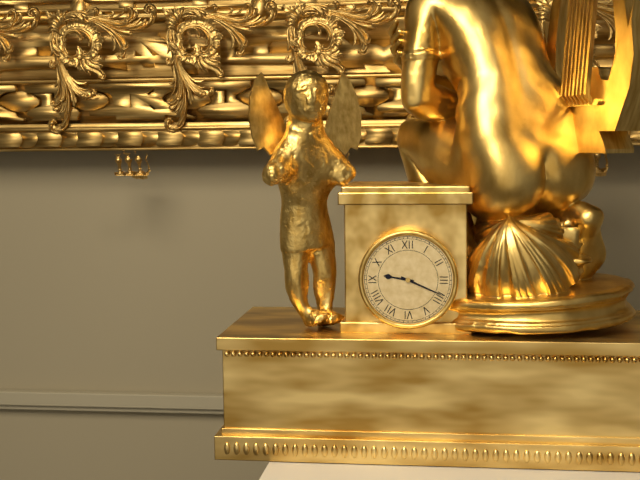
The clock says **9:19**
